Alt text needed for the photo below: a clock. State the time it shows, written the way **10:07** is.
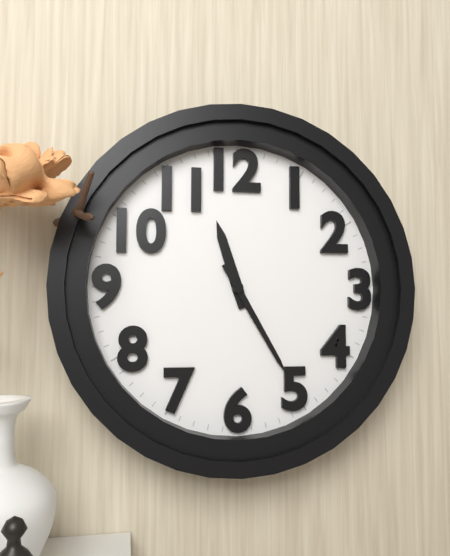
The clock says **11:25**
